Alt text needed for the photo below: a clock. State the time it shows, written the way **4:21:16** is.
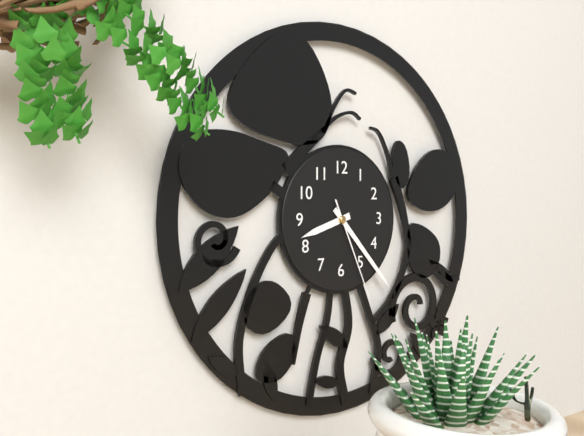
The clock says **8:23:26**
